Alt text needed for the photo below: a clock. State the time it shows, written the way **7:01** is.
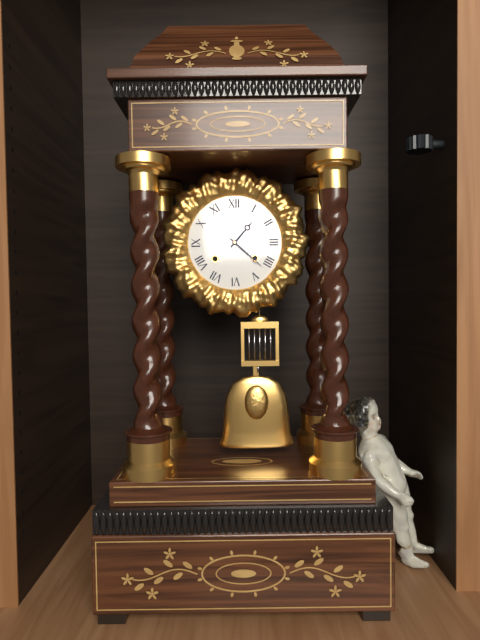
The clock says **1:22**
